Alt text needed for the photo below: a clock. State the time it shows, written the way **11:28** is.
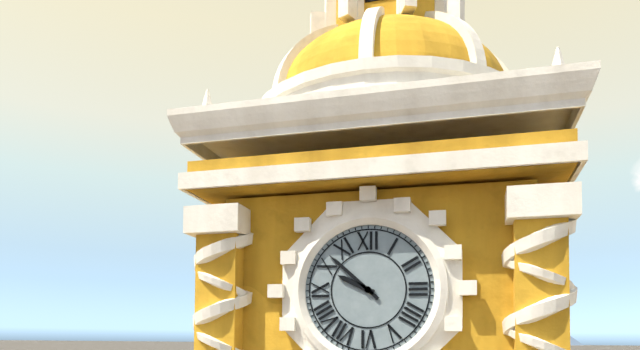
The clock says **9:52**
